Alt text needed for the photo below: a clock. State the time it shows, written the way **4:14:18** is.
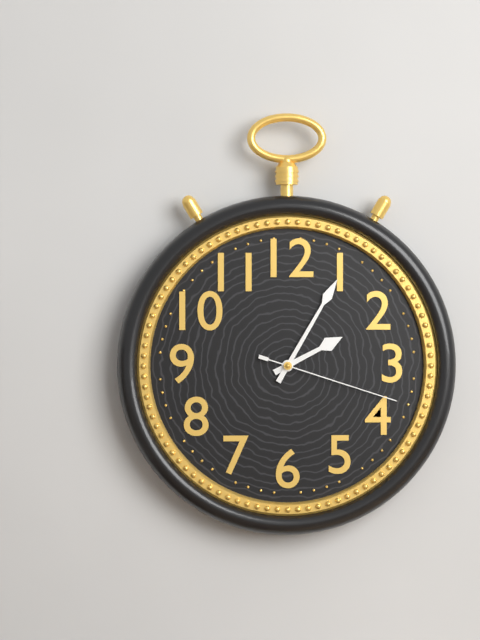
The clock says **2:05:18**
